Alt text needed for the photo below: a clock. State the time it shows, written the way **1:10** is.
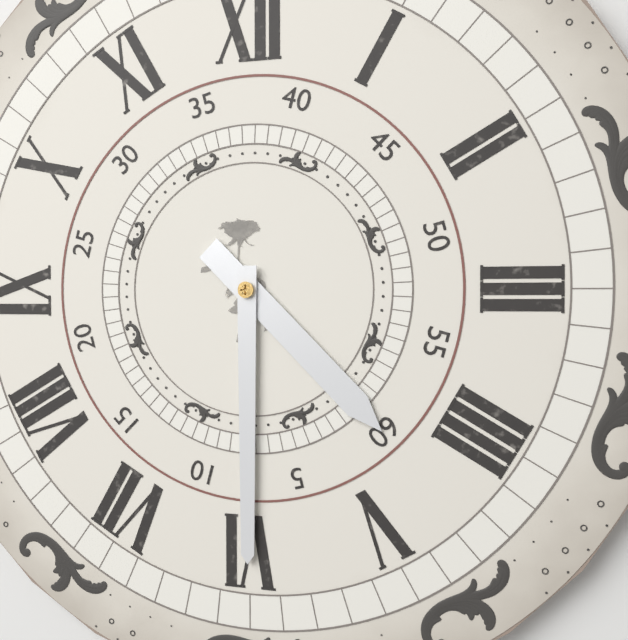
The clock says **4:30**
